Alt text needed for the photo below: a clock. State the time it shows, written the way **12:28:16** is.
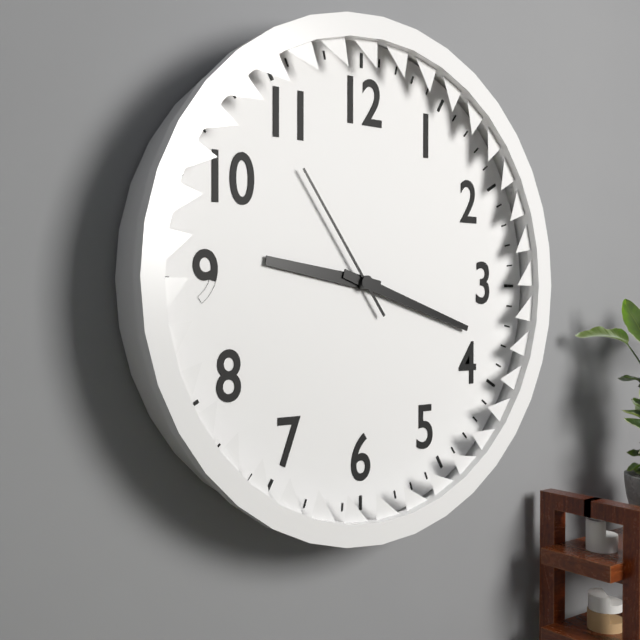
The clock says **9:18:54**
